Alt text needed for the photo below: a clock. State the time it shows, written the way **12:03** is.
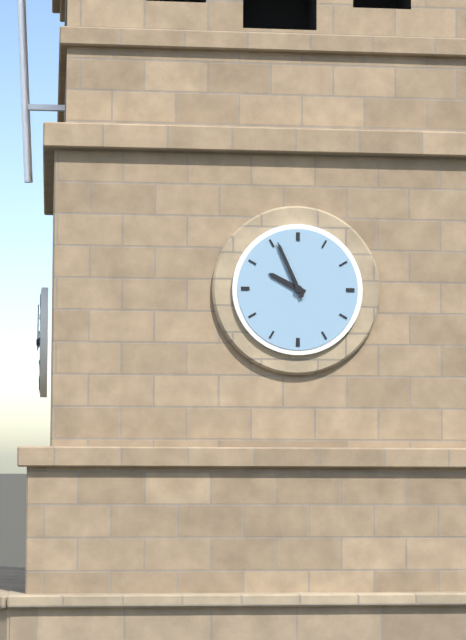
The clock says **9:56**
